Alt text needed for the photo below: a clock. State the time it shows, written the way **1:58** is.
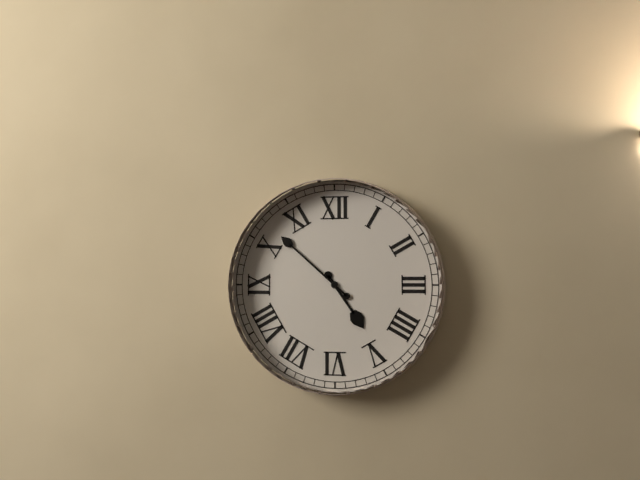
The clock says **4:52**
